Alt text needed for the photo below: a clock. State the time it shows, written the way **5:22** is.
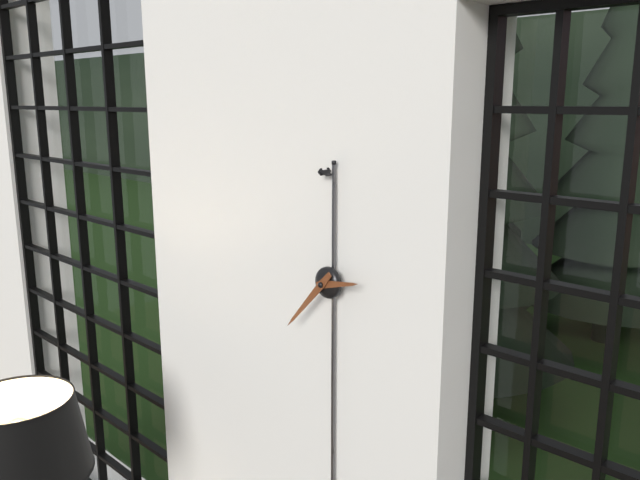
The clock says **2:37**
